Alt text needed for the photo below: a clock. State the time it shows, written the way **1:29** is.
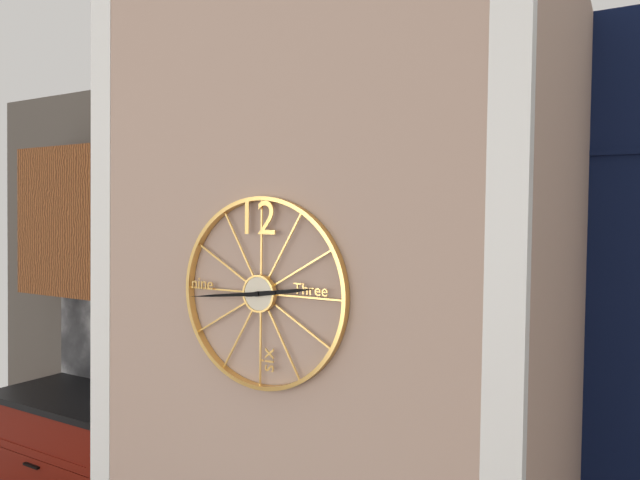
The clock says **2:44**
